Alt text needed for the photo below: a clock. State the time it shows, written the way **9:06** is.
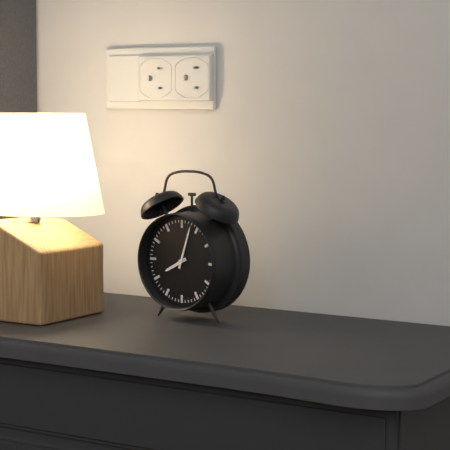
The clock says **8:03**
